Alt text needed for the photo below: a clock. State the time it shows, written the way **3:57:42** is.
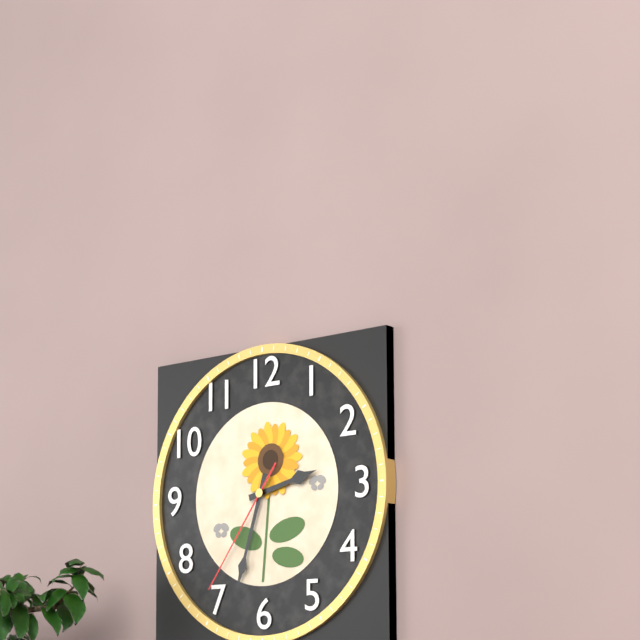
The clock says **2:33:36**
